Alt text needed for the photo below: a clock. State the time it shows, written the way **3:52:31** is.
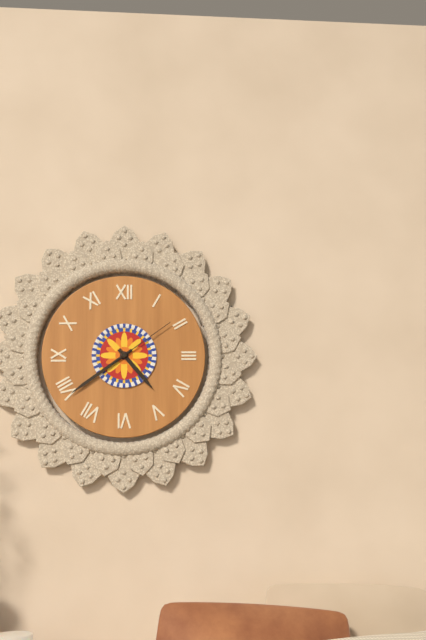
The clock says **4:39:09**
